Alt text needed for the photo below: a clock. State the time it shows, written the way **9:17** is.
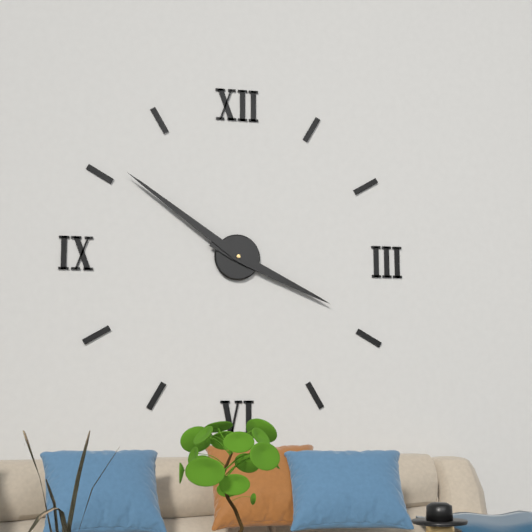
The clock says **3:51**
